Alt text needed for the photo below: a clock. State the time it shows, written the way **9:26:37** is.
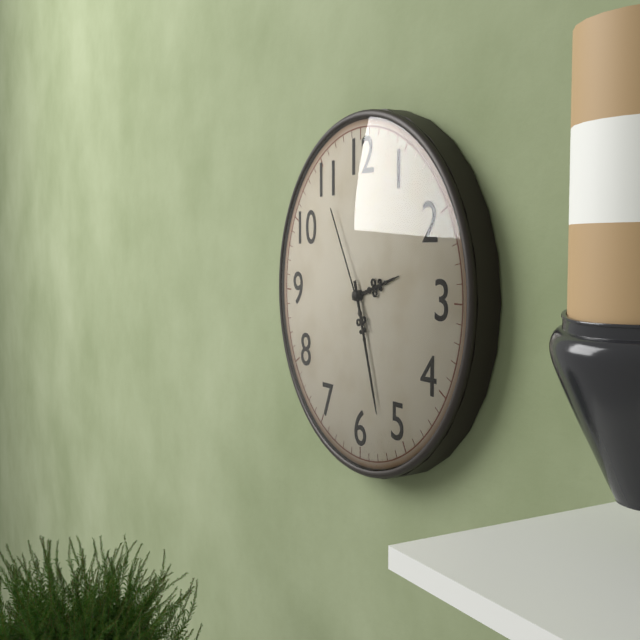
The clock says **2:27:55**
